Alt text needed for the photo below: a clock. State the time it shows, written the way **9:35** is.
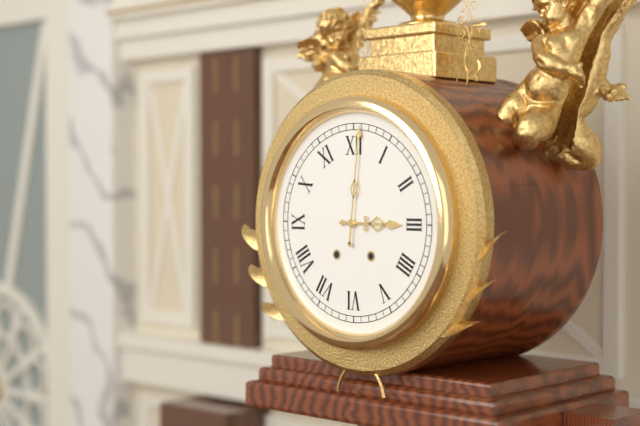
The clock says **3:01**
